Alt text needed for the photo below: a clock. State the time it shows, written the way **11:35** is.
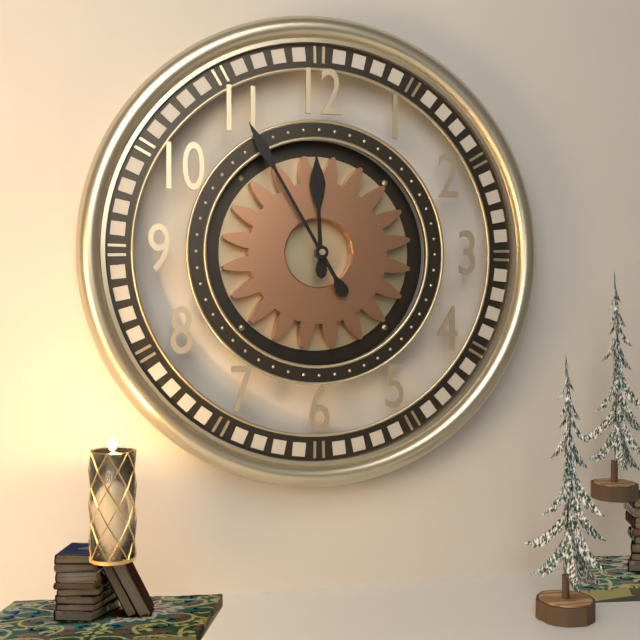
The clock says **11:55**
